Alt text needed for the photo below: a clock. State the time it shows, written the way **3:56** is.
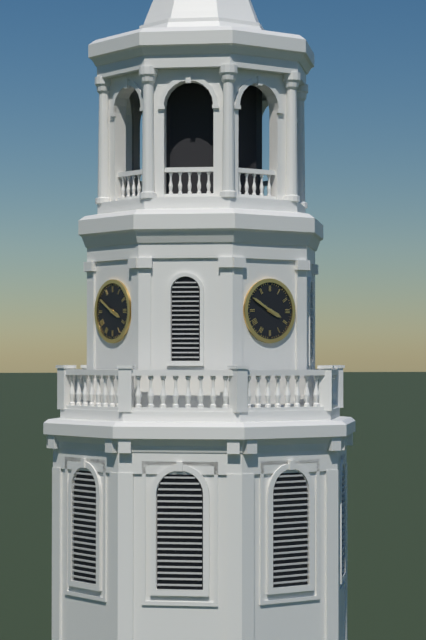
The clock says **3:50**
